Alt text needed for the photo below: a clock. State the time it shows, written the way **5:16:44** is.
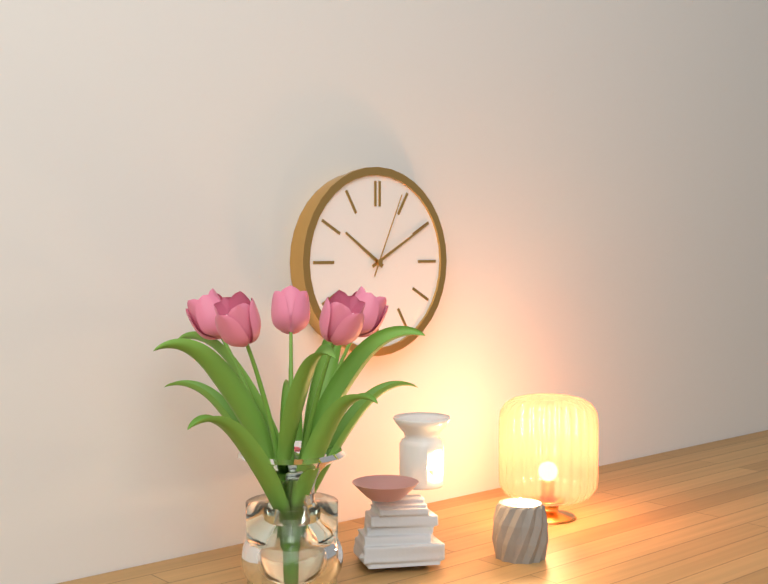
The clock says **10:10:04**
